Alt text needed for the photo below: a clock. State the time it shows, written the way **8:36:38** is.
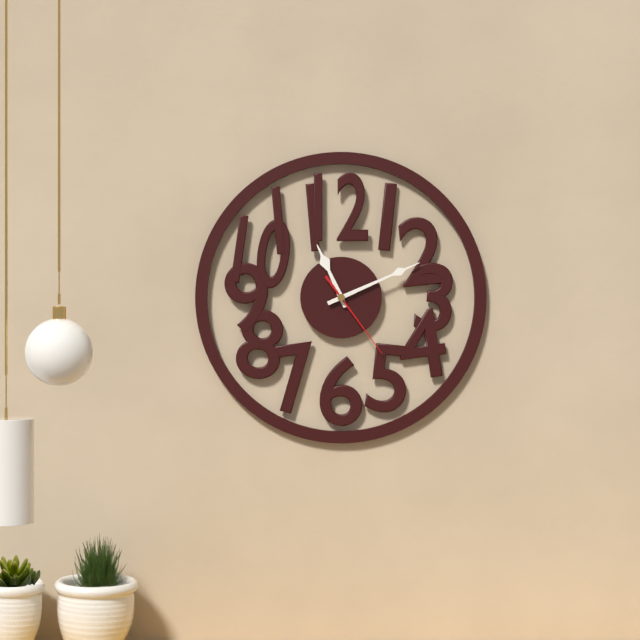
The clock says **11:11:24**
